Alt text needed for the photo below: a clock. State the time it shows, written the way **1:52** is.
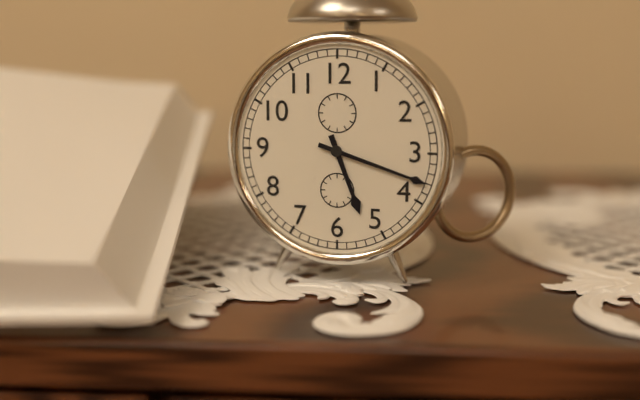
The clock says **5:18**
